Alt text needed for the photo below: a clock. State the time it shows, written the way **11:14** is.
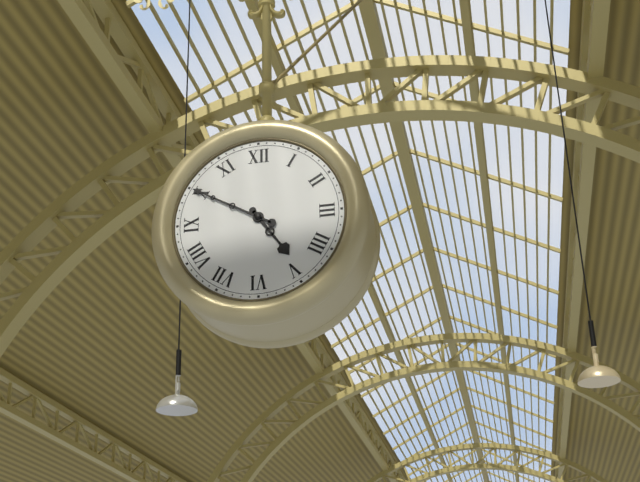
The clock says **4:50**
